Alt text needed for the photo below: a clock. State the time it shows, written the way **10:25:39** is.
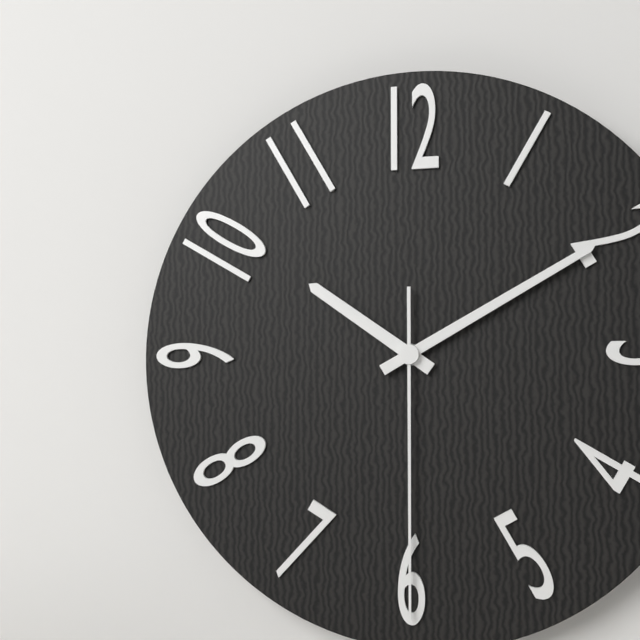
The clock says **10:10:30**
